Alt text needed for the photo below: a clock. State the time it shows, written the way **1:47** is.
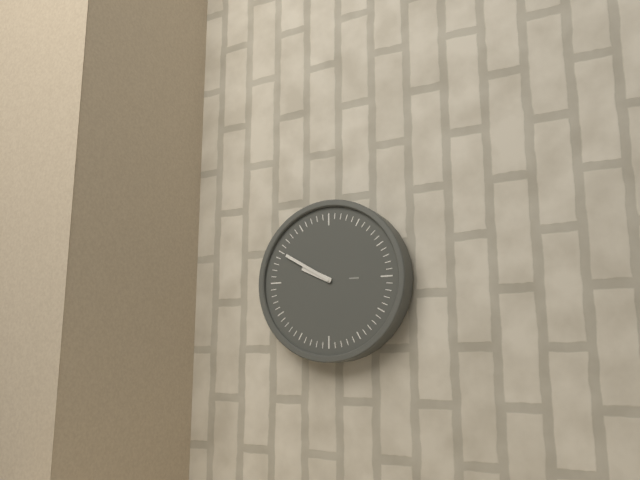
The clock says **9:50**
